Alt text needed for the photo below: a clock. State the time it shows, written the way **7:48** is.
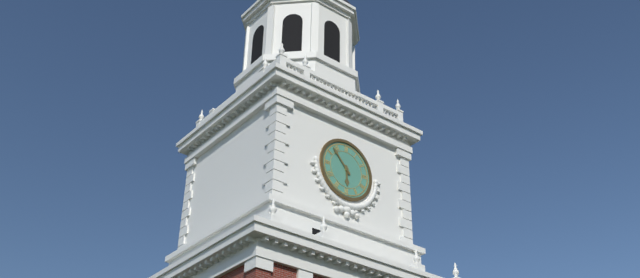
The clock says **5:53**
